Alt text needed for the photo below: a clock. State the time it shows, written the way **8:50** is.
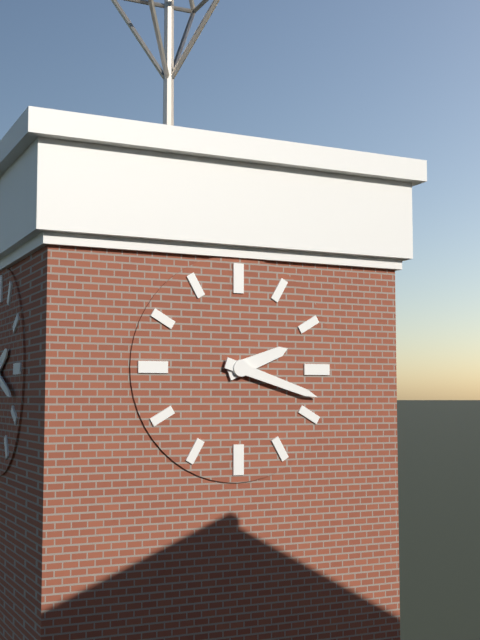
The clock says **2:18**
